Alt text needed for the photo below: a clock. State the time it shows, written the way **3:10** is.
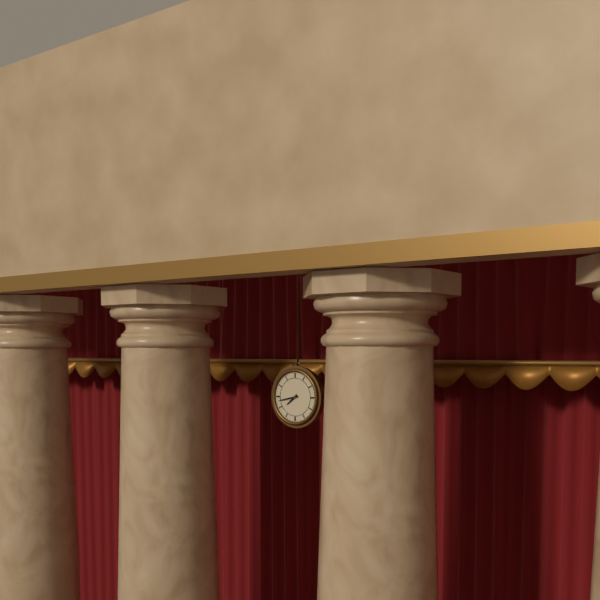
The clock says **7:43**
